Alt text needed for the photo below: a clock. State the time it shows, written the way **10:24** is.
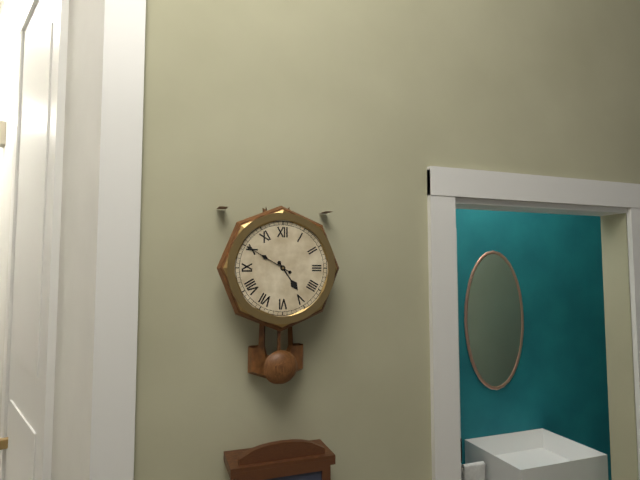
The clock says **4:50**
